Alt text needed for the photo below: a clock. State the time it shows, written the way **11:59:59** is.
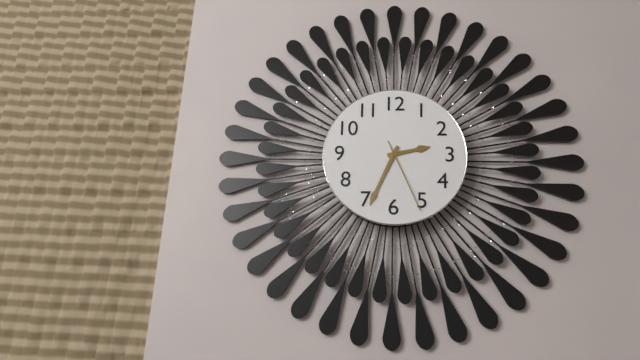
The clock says **2:34:26**
